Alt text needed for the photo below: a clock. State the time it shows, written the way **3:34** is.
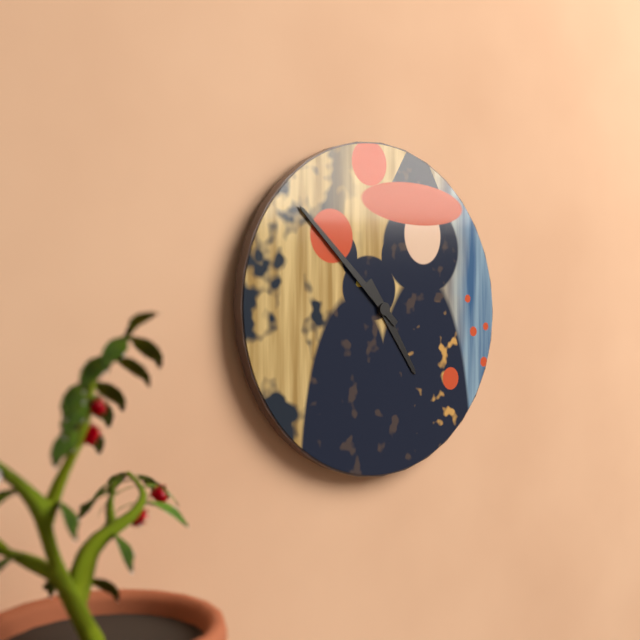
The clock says **4:52**
